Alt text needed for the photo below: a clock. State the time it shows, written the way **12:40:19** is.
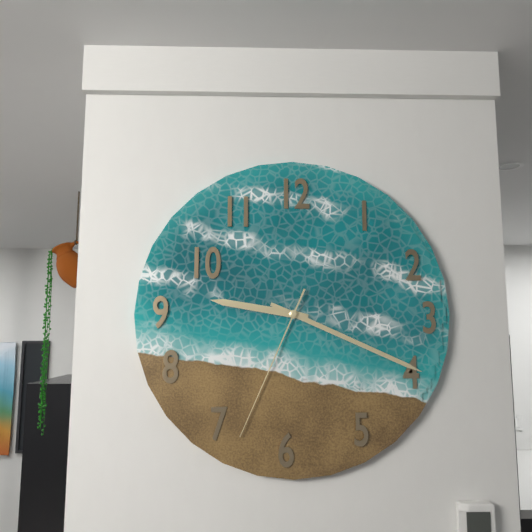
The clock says **9:19:34**
